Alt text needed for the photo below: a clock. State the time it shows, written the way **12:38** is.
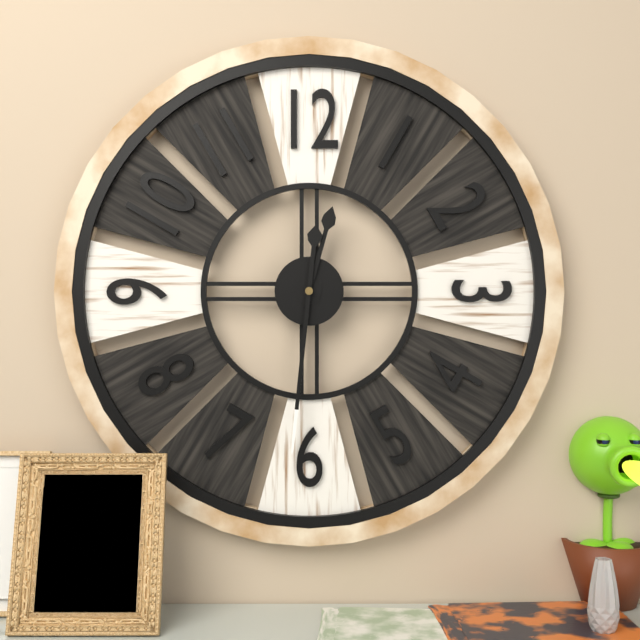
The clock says **12:31**
